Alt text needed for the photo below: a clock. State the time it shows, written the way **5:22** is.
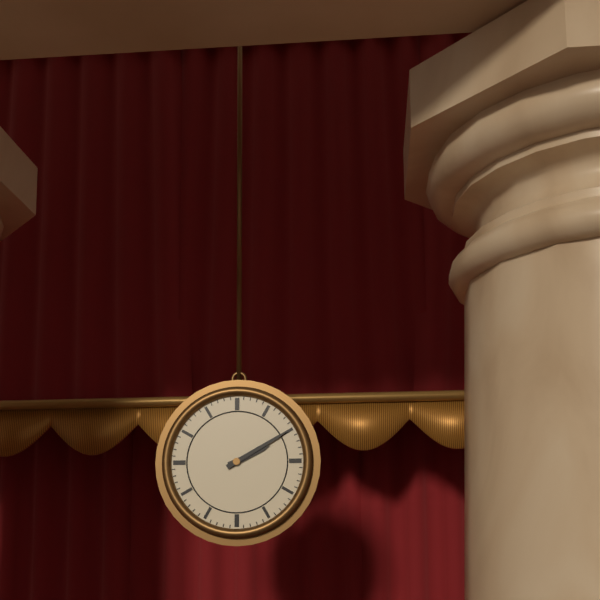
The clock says **2:10**
